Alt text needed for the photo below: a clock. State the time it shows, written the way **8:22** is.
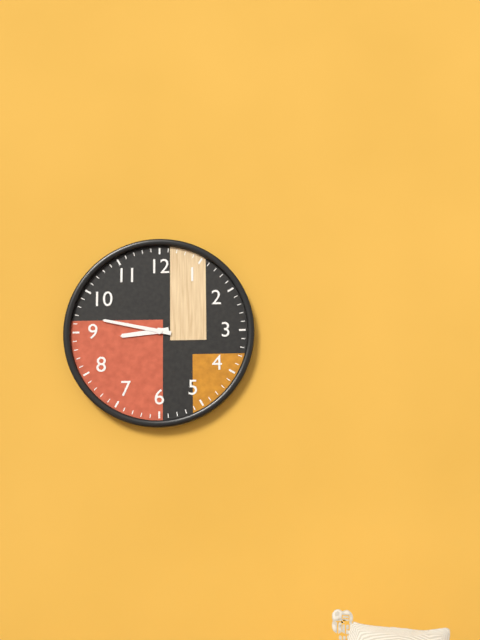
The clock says **8:47**
